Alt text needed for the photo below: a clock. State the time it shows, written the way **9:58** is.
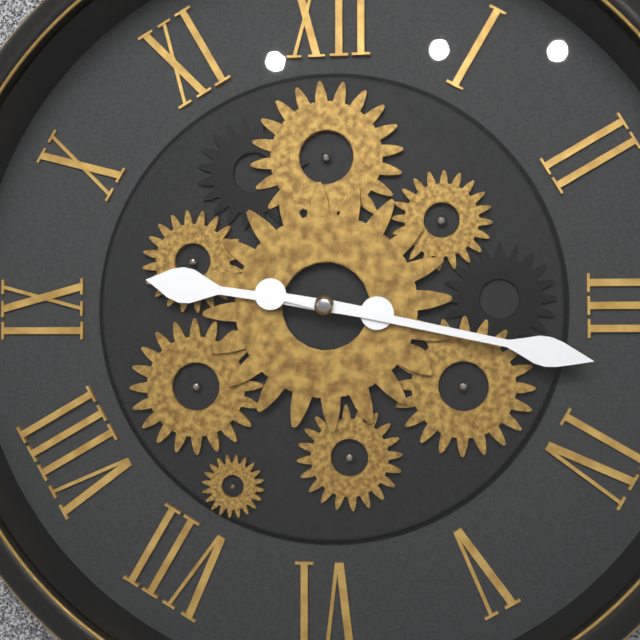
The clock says **9:17**
